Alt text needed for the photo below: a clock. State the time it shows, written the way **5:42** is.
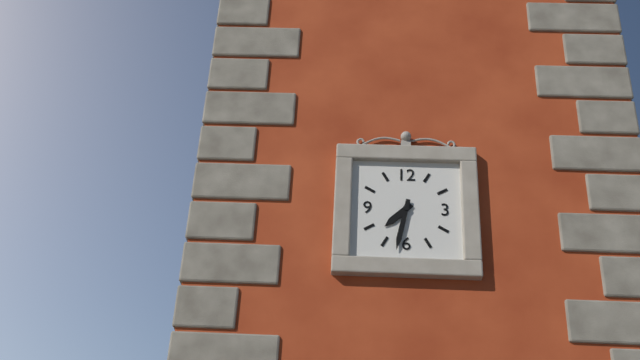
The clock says **7:32**
